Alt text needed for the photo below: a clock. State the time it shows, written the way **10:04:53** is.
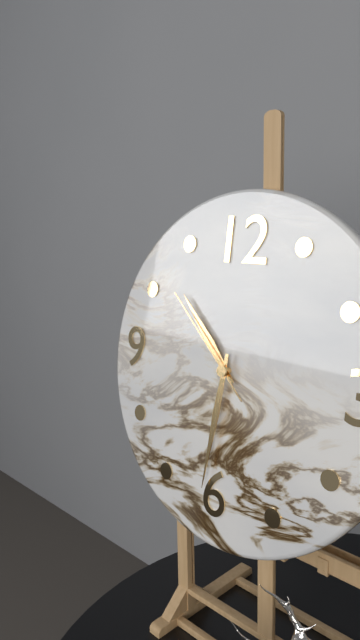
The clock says **10:31:52**
